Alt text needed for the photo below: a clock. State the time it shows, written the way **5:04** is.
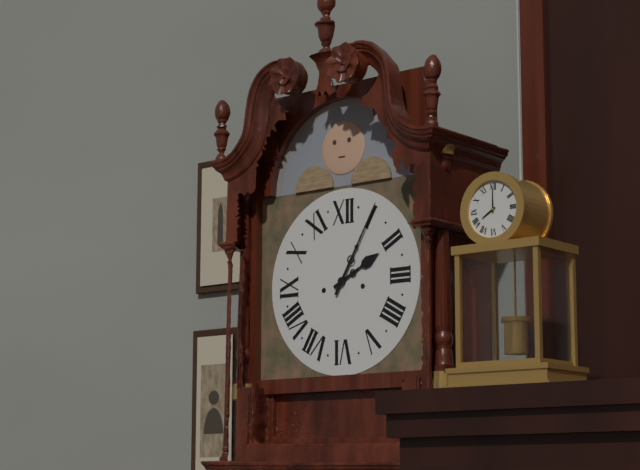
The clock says **2:05**
